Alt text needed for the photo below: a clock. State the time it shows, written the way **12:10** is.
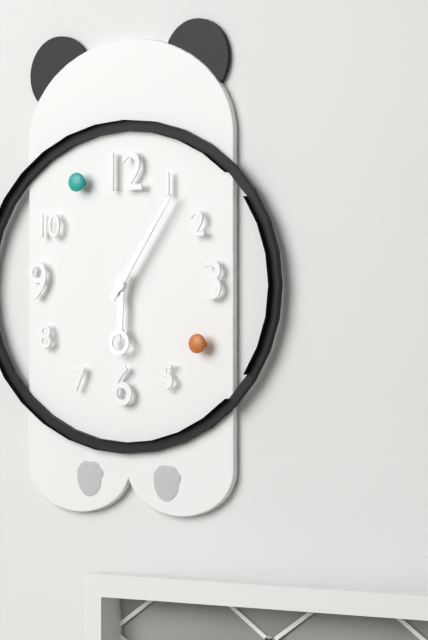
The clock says **6:06**
